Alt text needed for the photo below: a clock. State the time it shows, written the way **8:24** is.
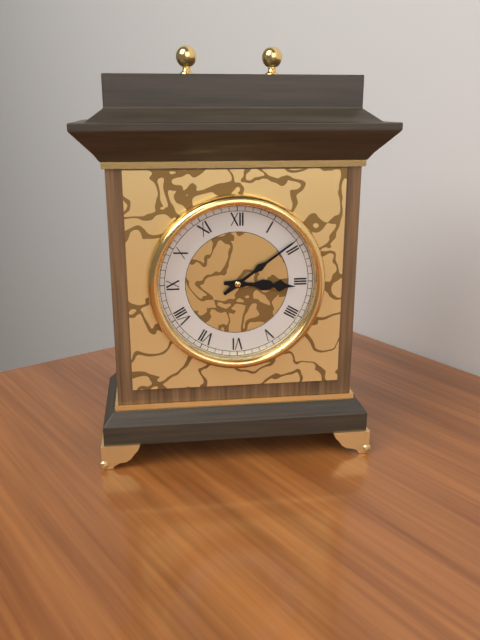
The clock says **3:09**
